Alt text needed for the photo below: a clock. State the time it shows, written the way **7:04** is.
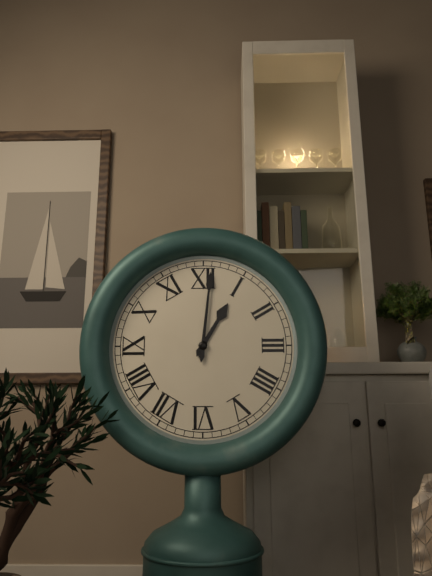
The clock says **1:01**
